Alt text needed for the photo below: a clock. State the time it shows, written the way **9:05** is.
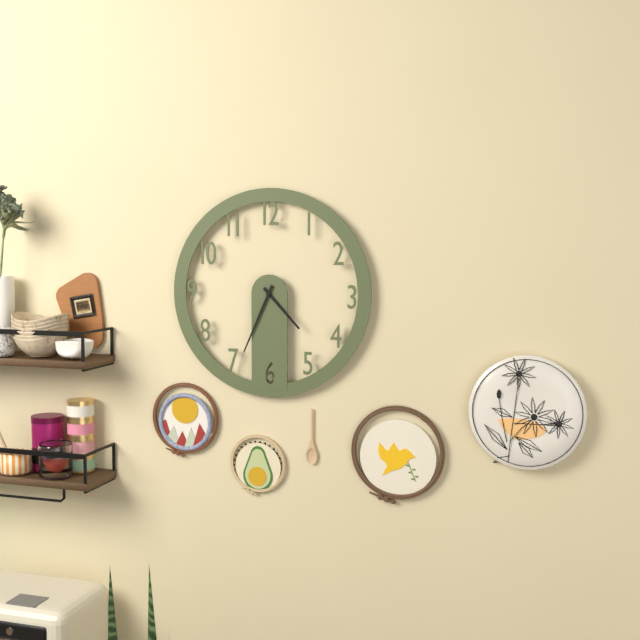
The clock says **4:34**
